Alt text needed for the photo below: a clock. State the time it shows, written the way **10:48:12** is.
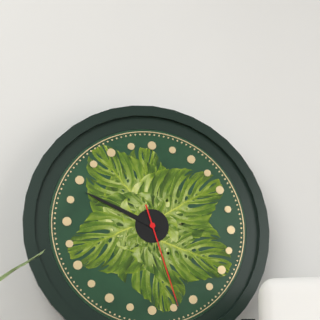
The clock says **9:49:27**
